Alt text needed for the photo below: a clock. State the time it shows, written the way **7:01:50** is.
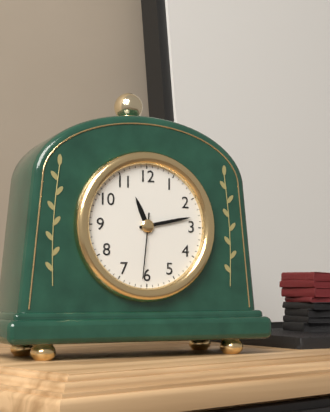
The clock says **11:13:31**
